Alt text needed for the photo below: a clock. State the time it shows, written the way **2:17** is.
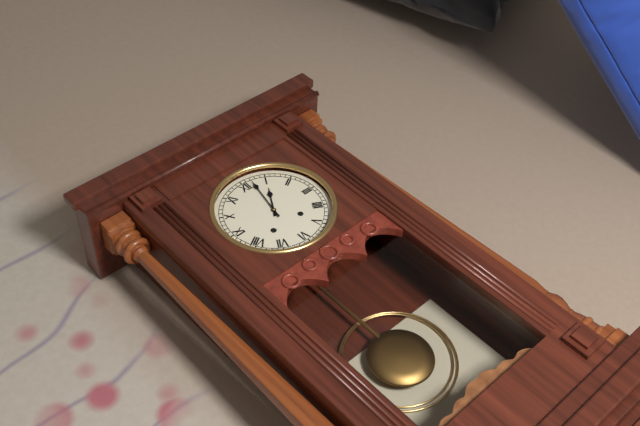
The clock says **1:02**
